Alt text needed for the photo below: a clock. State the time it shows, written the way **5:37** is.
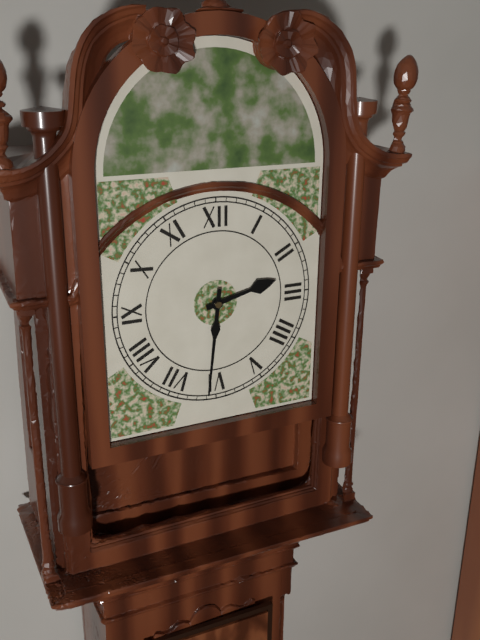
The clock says **2:31**
